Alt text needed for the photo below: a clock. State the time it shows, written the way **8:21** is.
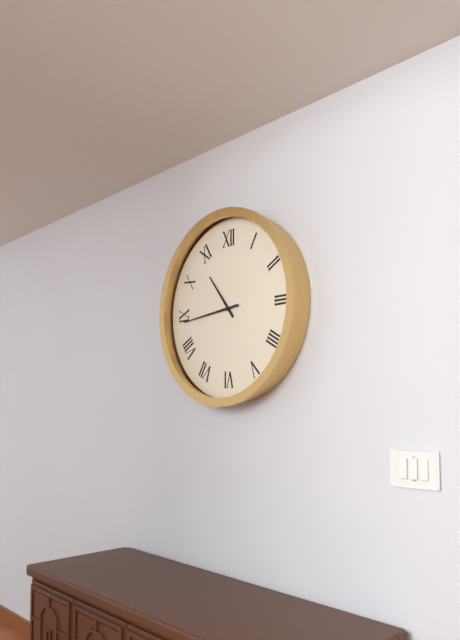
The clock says **10:44**
